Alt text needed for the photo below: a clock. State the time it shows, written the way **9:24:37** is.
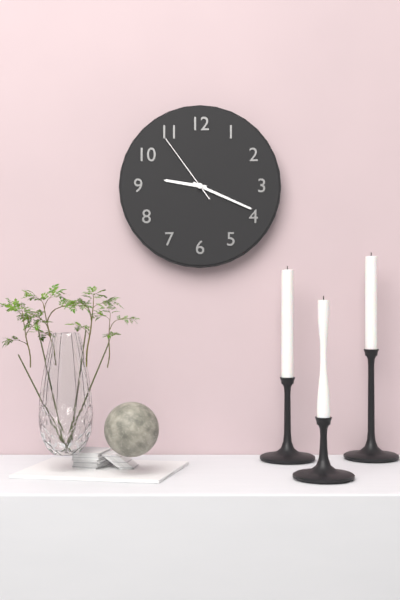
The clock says **9:19:54**
